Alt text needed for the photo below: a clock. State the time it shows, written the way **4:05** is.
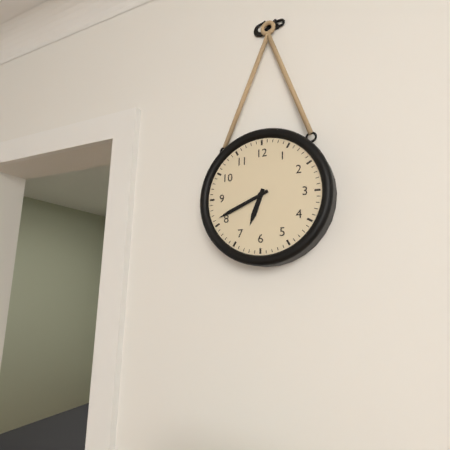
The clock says **6:41**
